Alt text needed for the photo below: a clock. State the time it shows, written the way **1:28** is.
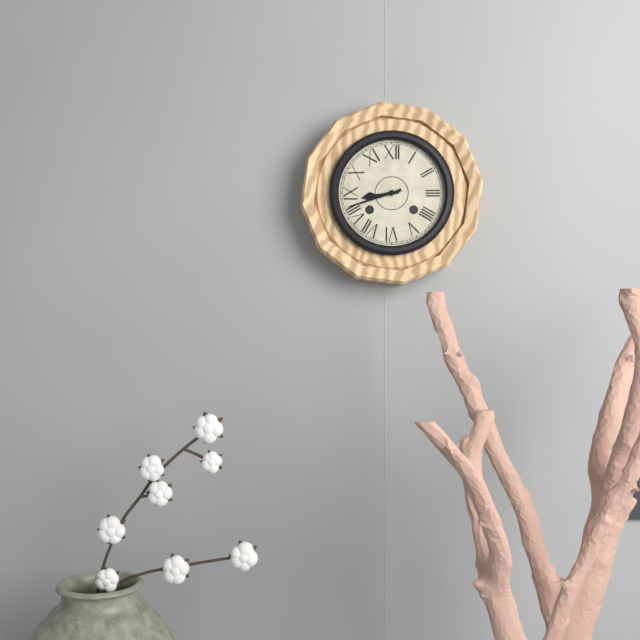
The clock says **8:42**
